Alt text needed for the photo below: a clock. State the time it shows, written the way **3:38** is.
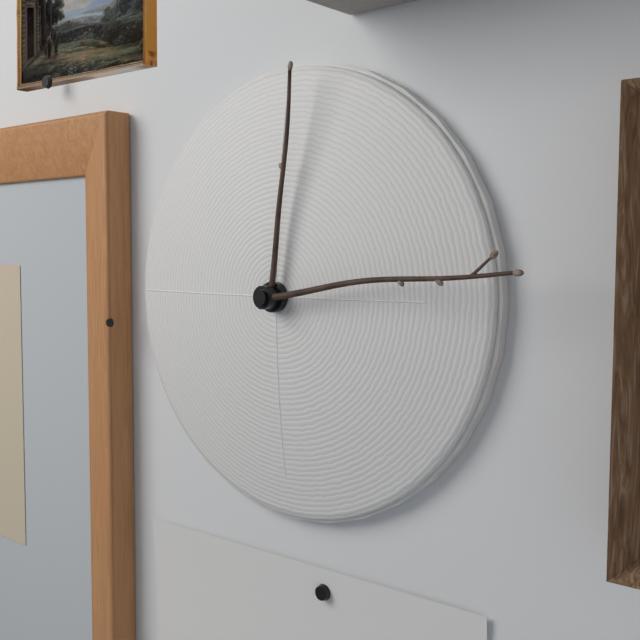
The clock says **12:14**
